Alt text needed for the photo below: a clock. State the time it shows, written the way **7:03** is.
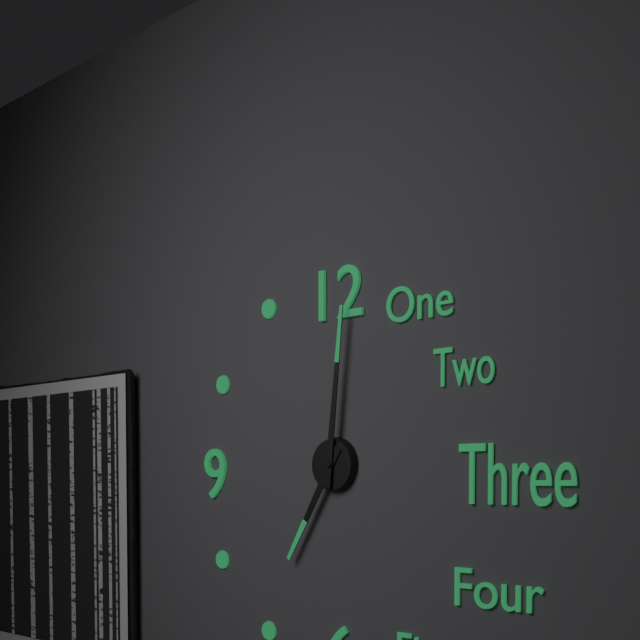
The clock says **7:01**
